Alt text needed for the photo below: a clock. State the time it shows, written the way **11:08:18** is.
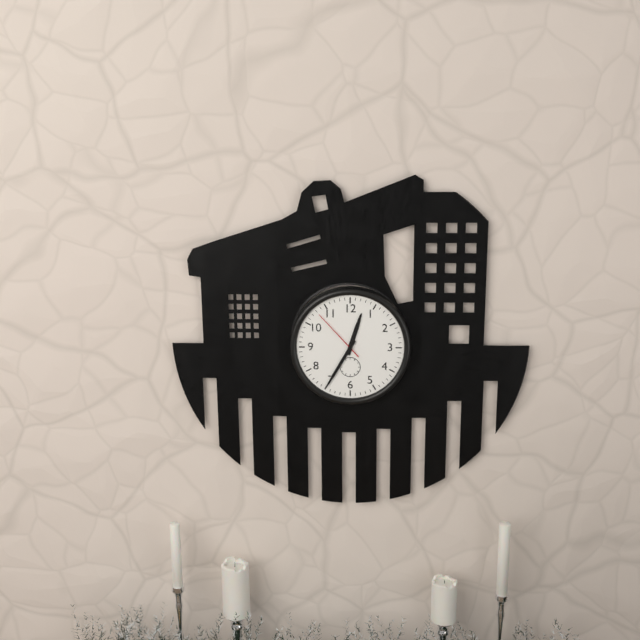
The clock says **12:35:53**
